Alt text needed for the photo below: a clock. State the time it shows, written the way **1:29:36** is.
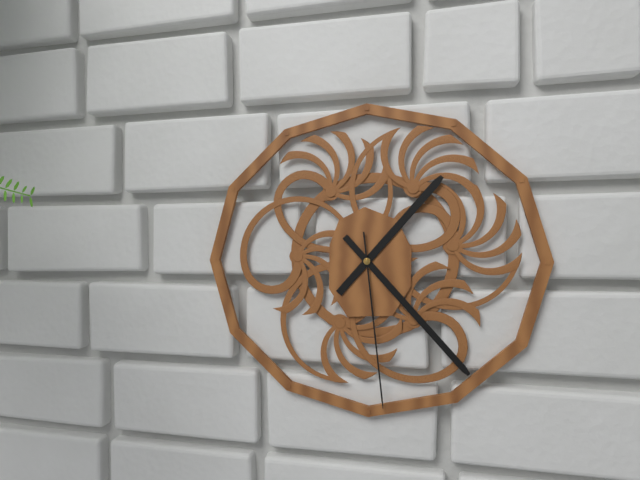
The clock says **1:23:29**
